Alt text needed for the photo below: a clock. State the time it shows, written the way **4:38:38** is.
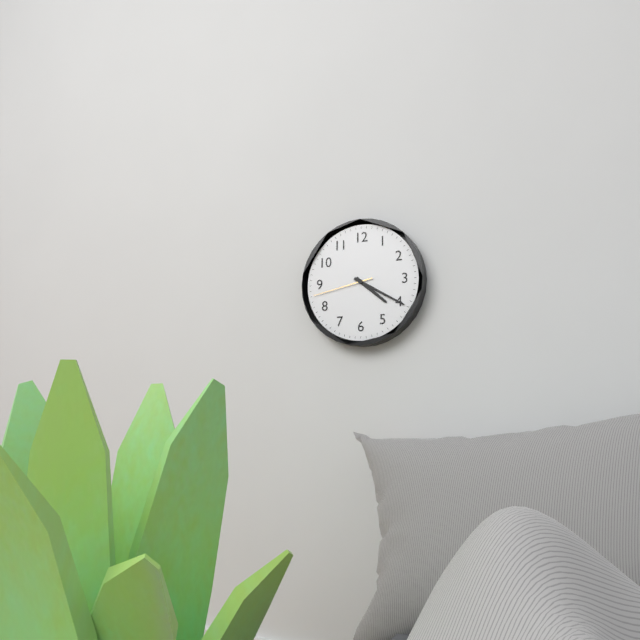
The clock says **4:20:43**
